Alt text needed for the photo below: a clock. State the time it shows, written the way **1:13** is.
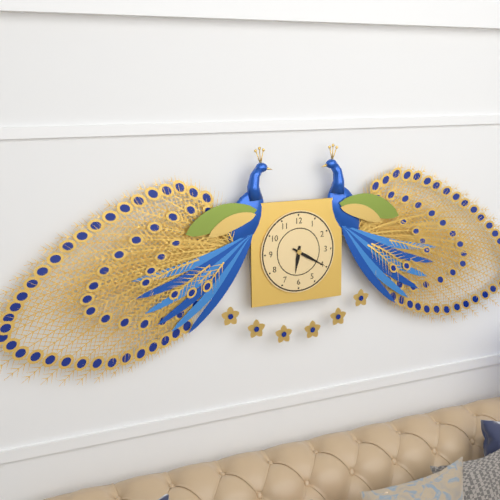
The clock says **6:20**
